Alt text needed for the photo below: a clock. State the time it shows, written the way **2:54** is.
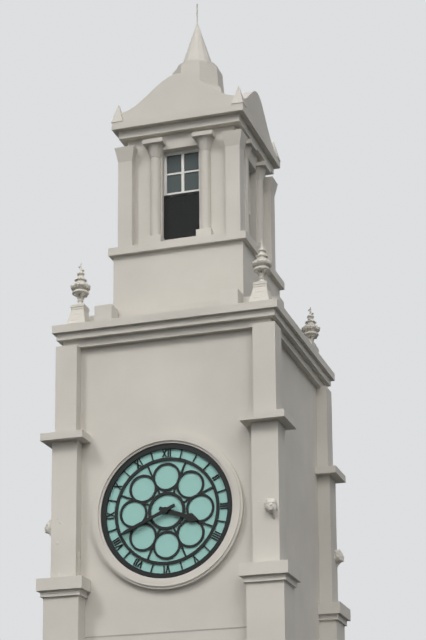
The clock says **3:41**
